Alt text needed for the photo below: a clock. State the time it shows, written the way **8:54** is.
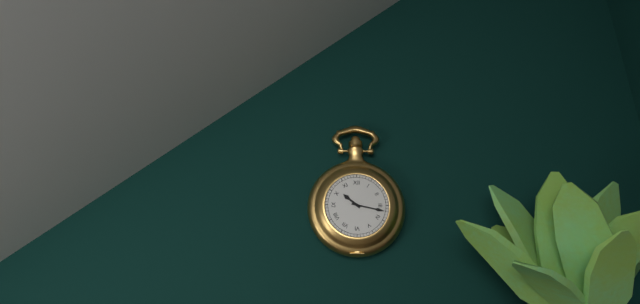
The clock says **10:17**
